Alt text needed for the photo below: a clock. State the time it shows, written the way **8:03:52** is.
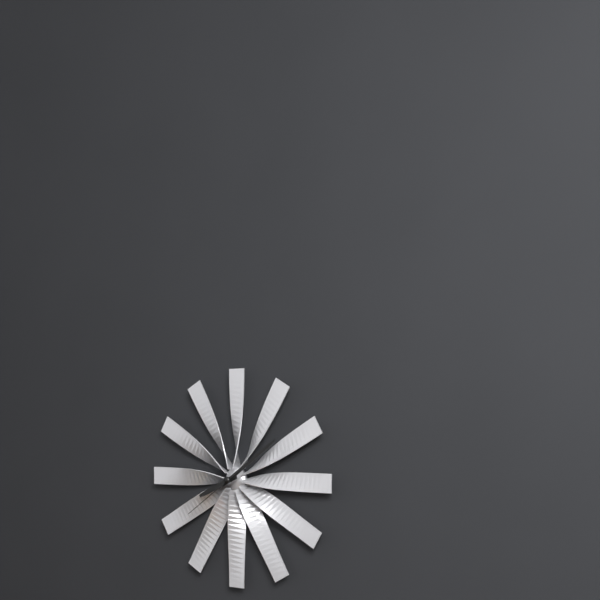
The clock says **8:09:39**
